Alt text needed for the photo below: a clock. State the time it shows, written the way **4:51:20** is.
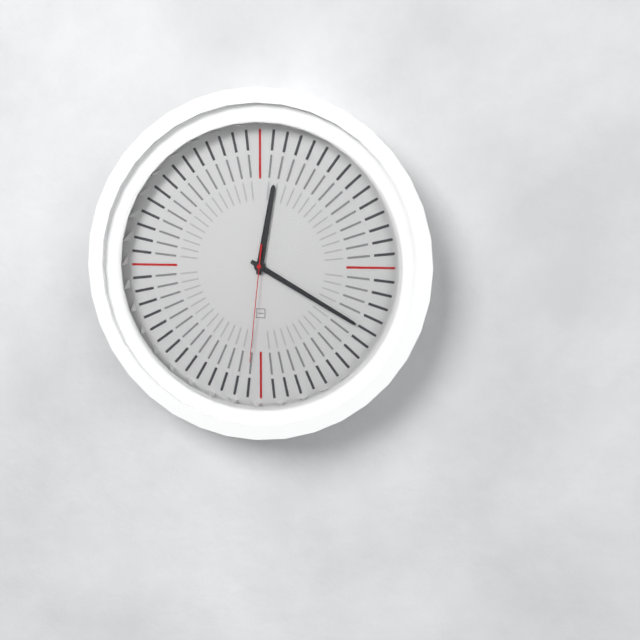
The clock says **12:20:31**
